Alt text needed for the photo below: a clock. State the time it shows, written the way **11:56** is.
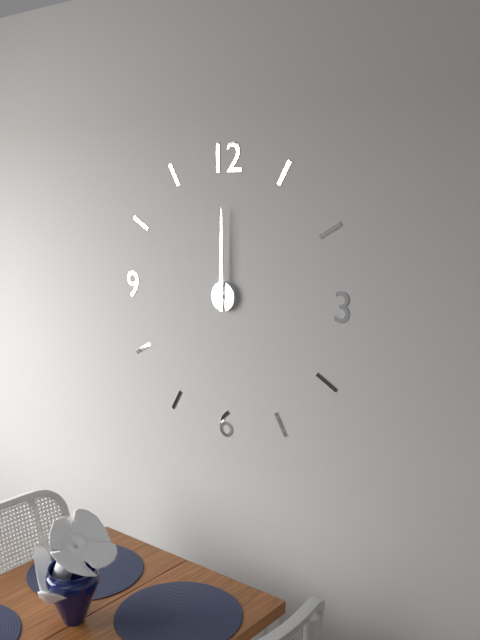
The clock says **12:00**
